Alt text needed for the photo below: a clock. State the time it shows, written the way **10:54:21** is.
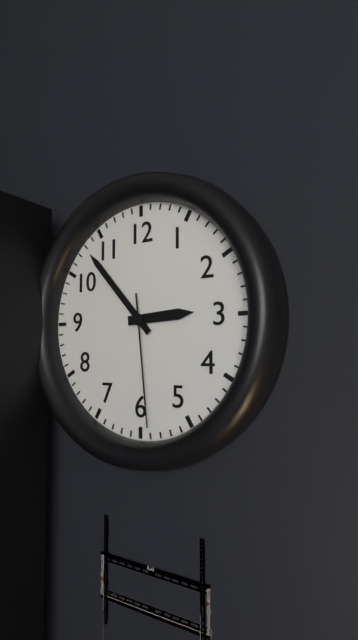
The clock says **2:53:29**
